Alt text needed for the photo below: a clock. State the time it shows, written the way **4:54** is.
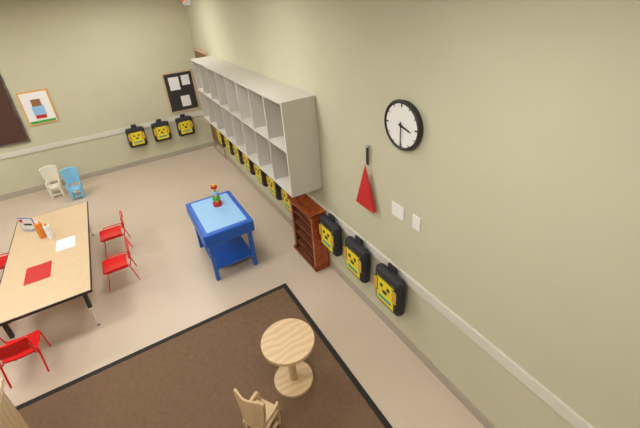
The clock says **3:30**
